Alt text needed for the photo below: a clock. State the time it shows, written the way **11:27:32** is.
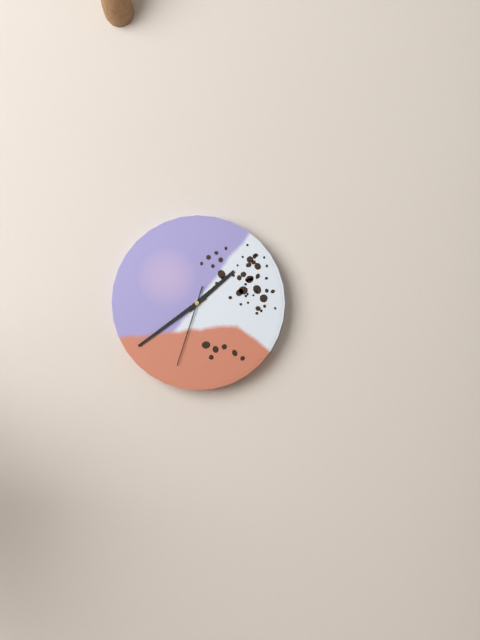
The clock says **1:39:33**
